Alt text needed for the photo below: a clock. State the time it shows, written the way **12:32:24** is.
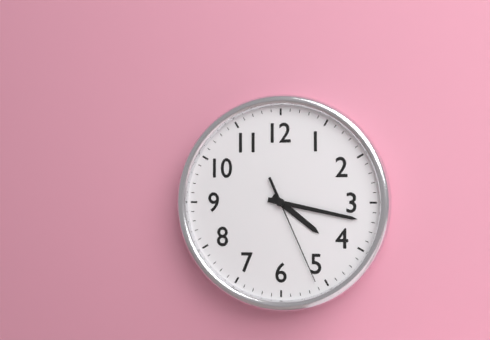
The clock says **4:17:26**
